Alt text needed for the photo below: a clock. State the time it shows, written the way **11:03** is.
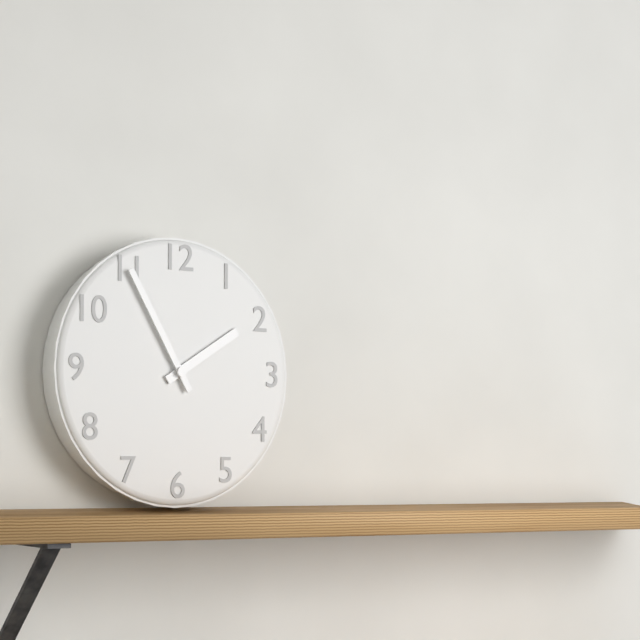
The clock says **1:55**
